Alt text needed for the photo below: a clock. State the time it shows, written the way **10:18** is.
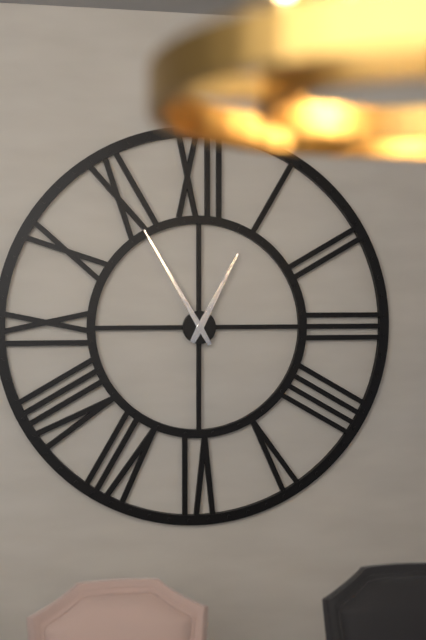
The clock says **12:55**
